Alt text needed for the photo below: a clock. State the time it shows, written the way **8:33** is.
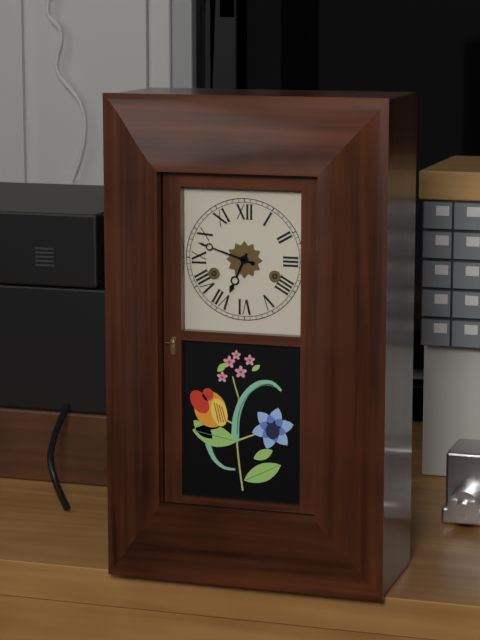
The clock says **6:48**
